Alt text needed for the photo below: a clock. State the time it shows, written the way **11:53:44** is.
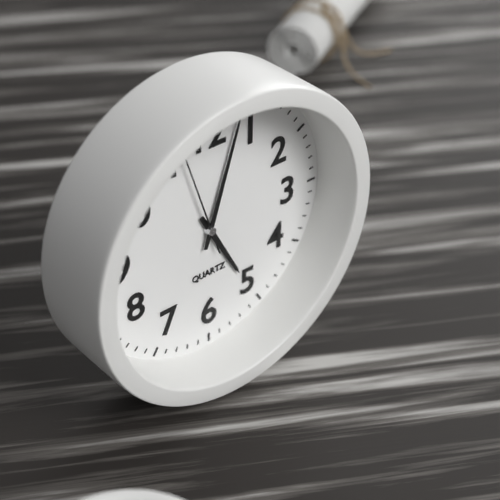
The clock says **5:03:57**
